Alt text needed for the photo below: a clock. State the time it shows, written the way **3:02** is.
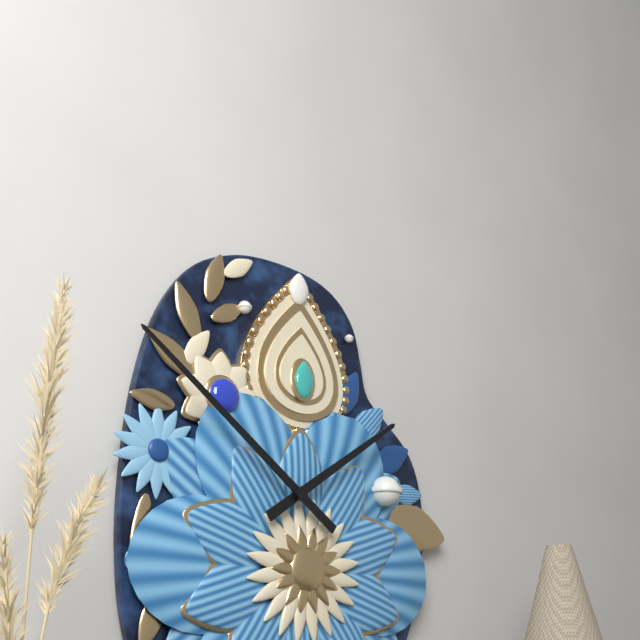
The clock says **1:51**
